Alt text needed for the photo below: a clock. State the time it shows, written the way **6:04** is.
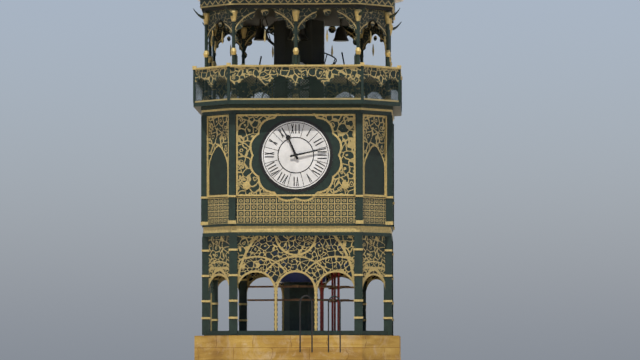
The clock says **11:13**
